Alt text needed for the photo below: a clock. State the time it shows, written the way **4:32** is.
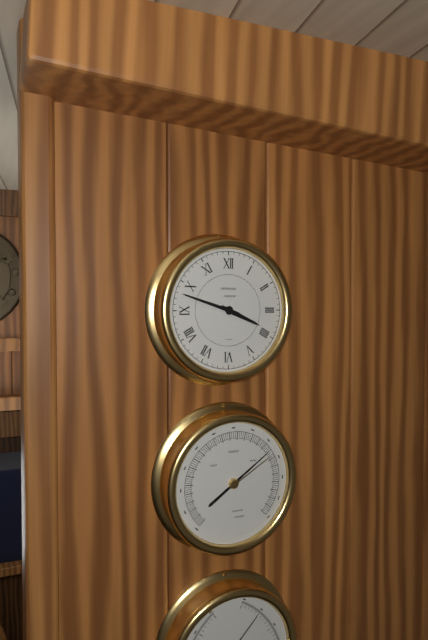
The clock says **3:48**
